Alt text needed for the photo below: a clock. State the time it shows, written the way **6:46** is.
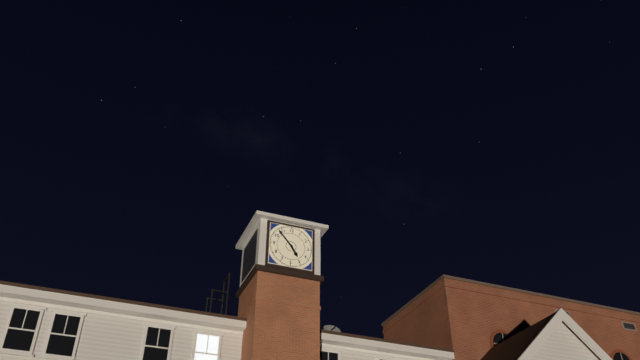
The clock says **4:53**
